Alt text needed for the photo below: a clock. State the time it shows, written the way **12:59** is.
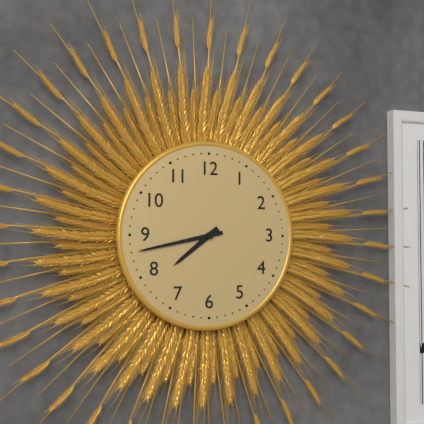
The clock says **7:43**
